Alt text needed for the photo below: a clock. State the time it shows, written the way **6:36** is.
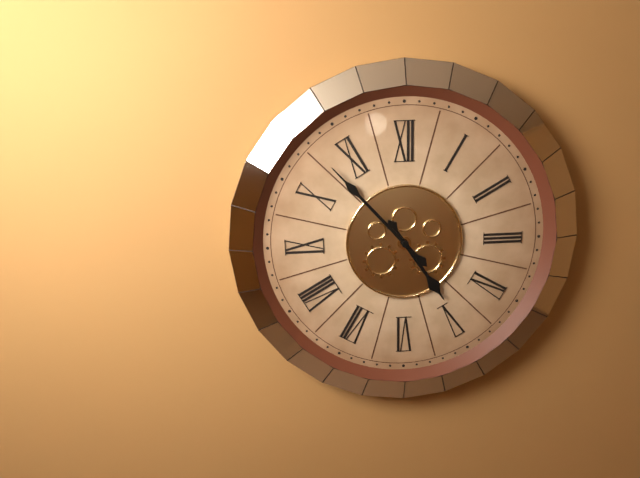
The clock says **4:53**
